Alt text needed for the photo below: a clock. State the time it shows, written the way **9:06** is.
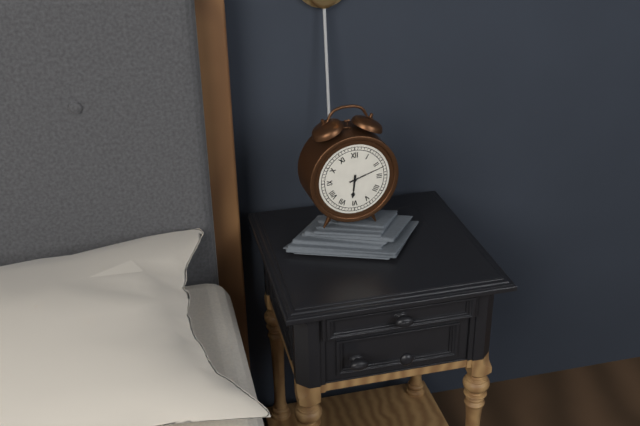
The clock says **6:12**
